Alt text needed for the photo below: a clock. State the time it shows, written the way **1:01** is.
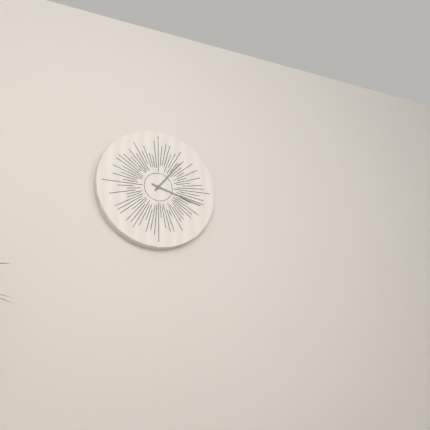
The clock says **1:18**
